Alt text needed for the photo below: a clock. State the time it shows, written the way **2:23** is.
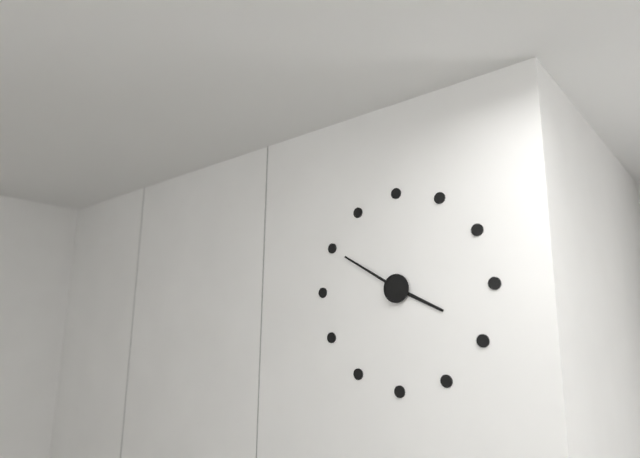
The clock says **3:50**
